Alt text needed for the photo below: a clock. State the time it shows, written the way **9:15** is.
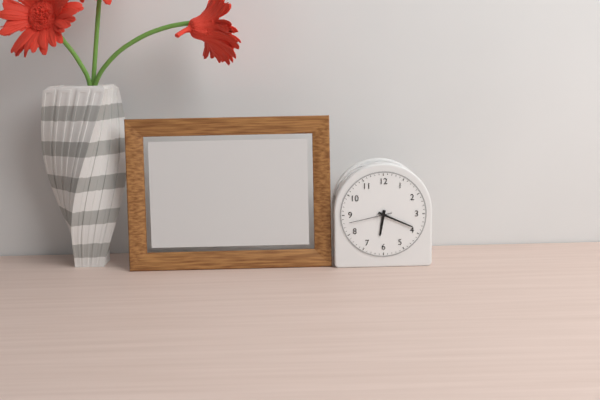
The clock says **6:19**
